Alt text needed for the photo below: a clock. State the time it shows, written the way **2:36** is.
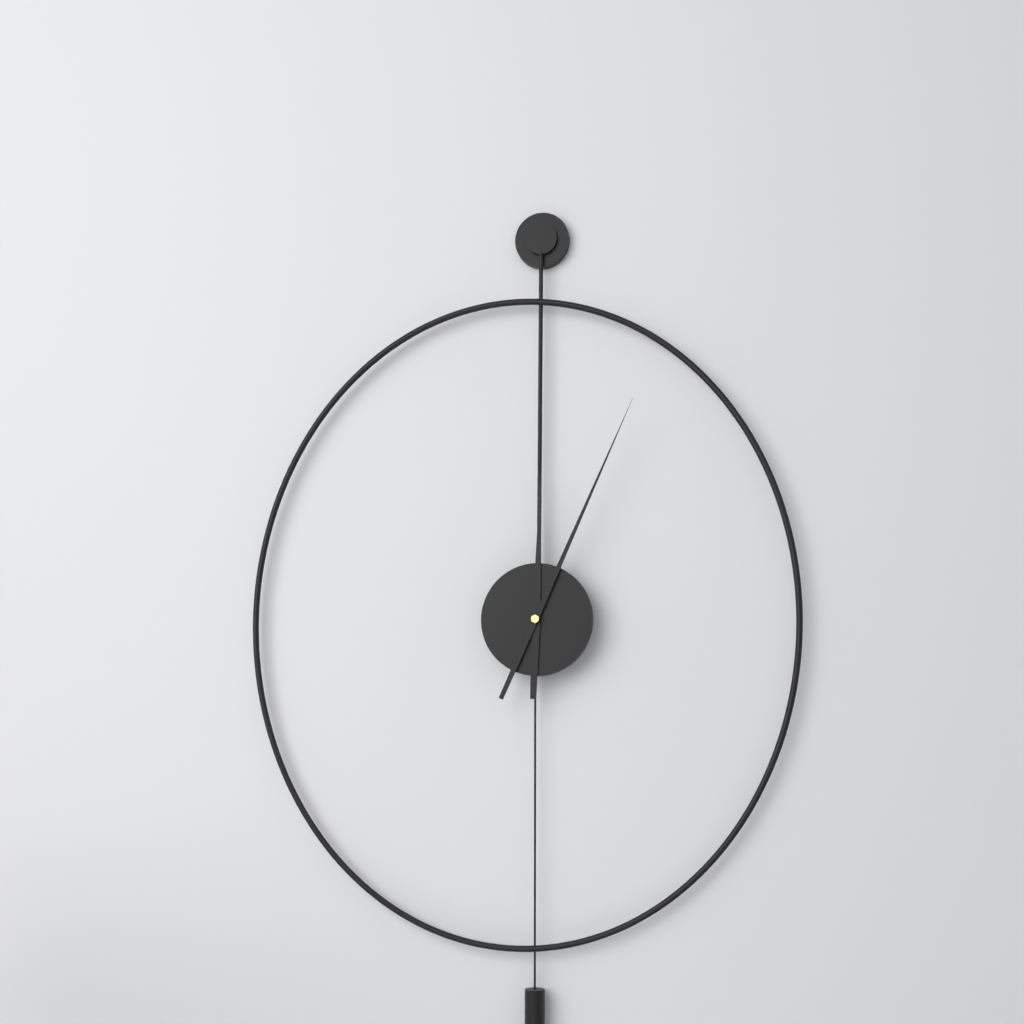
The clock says **12:04**
